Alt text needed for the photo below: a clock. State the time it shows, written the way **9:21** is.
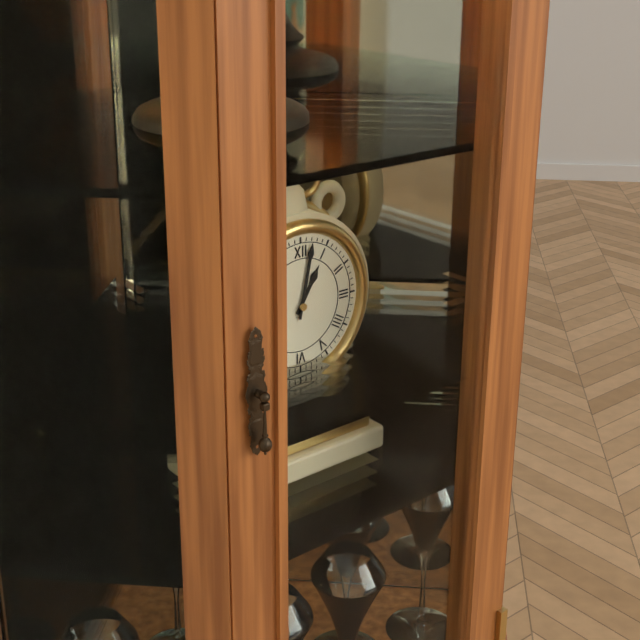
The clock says **1:02**
